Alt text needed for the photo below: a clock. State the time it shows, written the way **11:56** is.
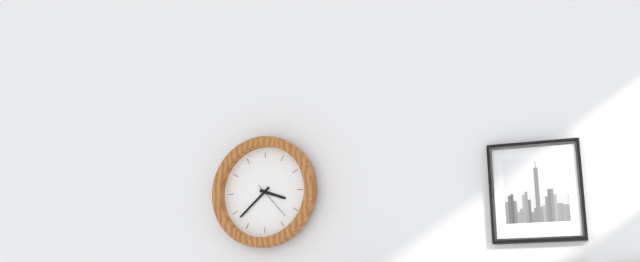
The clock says **3:38**
